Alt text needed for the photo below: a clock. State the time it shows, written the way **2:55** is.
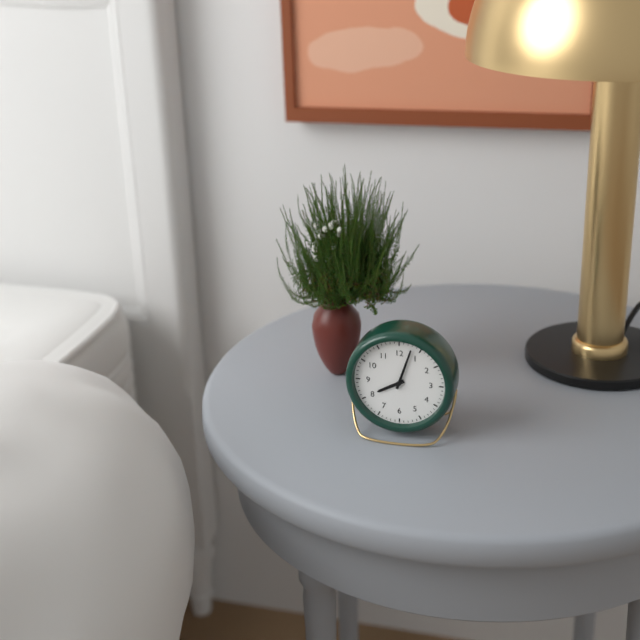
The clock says **8:03**
